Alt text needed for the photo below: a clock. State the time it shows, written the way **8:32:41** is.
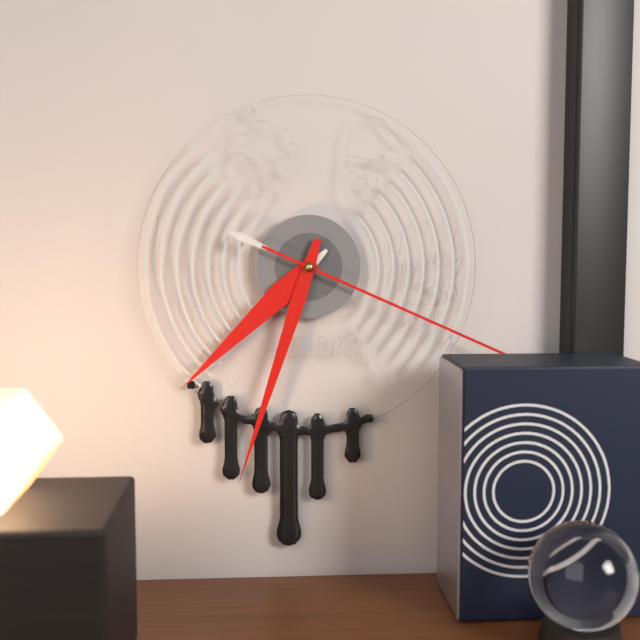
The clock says **7:33:19**
